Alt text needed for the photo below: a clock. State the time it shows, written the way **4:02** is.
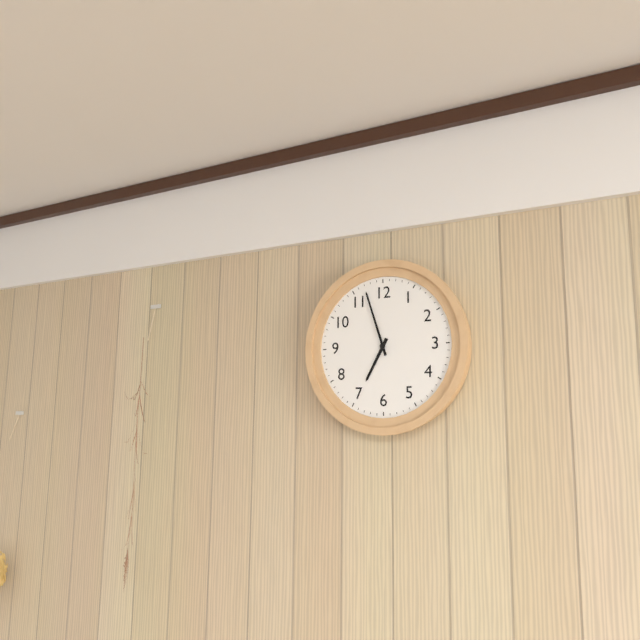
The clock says **6:57**
